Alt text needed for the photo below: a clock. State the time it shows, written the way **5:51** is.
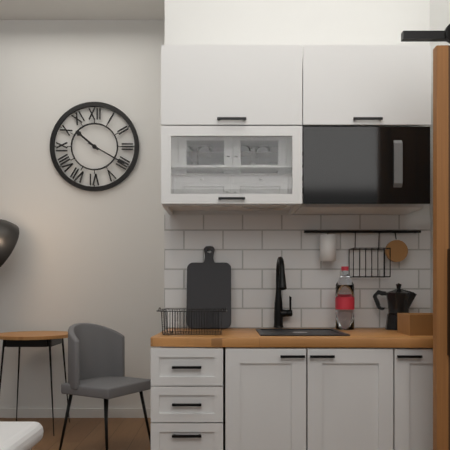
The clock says **10:20**
